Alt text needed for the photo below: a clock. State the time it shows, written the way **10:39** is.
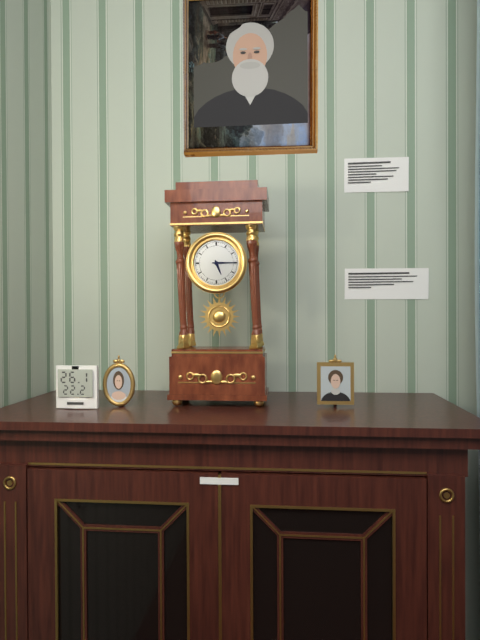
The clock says **5:15**
